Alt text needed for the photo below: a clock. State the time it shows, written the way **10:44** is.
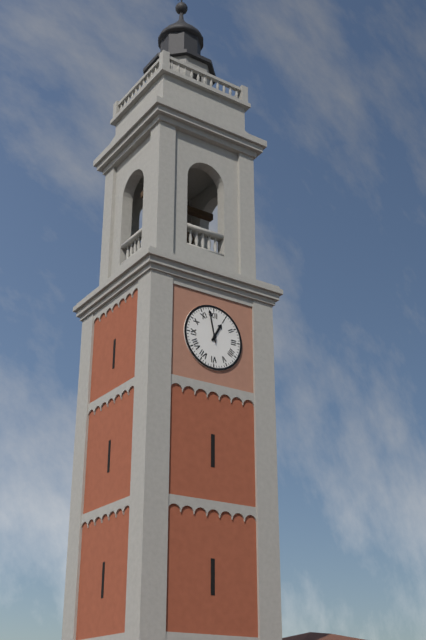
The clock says **12:58**
